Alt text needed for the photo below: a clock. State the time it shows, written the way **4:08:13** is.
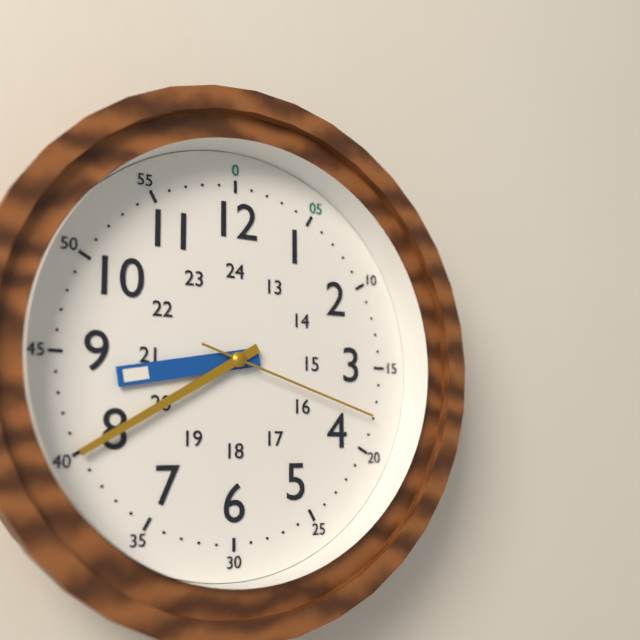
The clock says **8:40:18**
